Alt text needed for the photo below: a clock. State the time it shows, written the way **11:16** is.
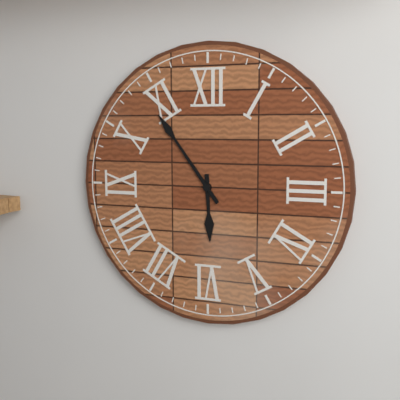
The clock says **5:54**
